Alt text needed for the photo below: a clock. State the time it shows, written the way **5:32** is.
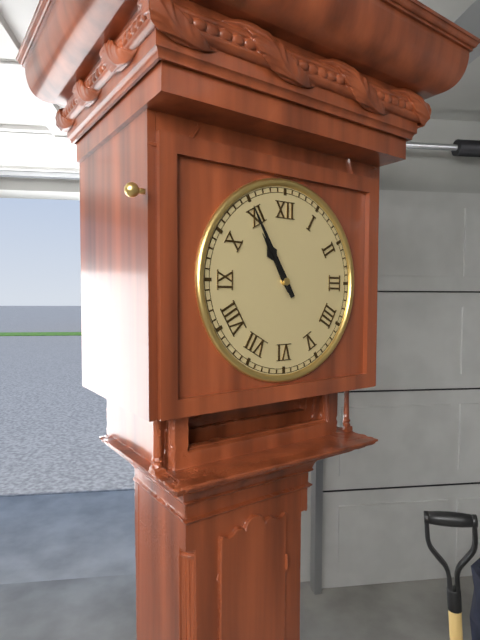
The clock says **10:55**
